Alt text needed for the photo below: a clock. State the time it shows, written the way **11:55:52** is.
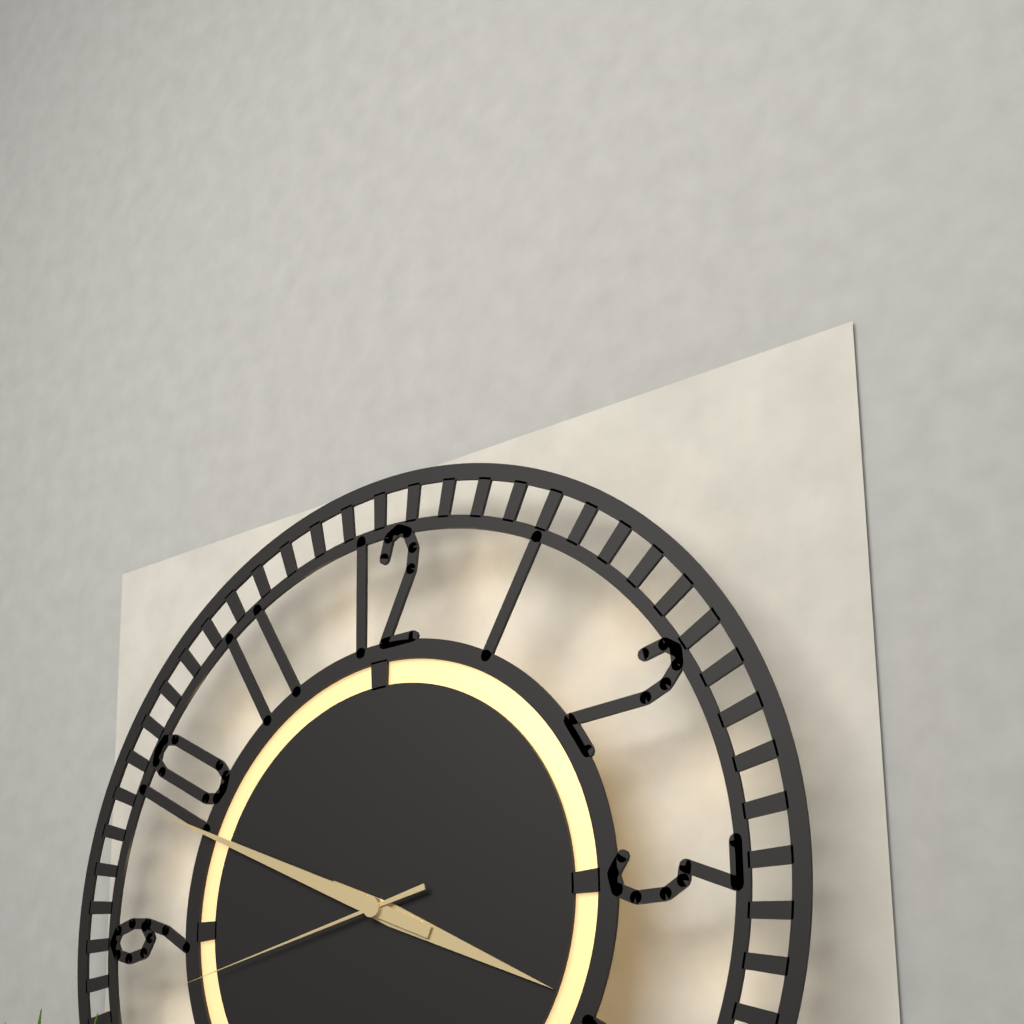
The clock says **3:49:43**
